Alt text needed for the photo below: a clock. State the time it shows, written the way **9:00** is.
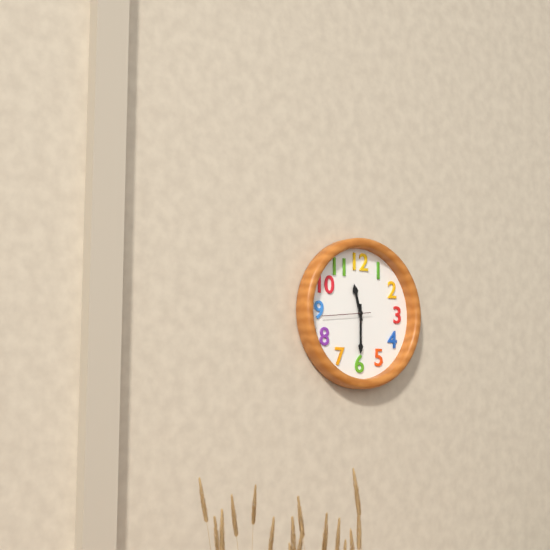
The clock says **11:30**
